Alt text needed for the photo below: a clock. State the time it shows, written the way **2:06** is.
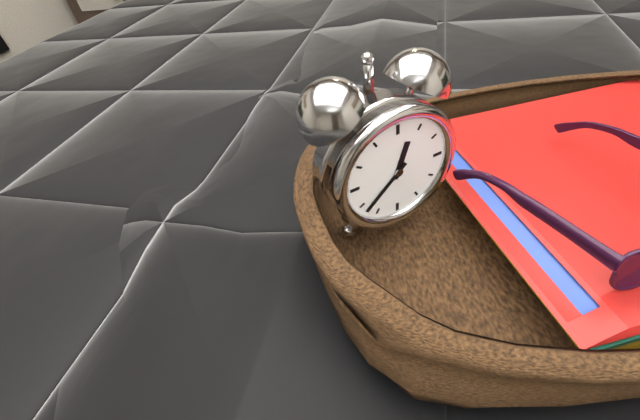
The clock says **12:38**
